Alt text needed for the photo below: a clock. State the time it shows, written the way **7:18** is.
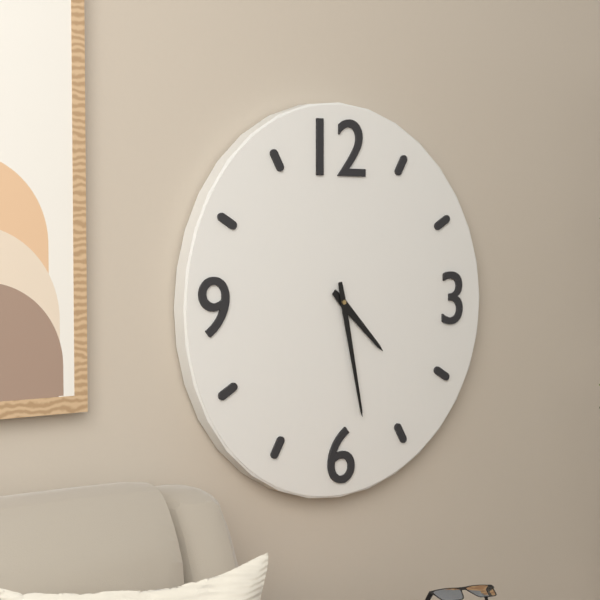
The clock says **4:28**
